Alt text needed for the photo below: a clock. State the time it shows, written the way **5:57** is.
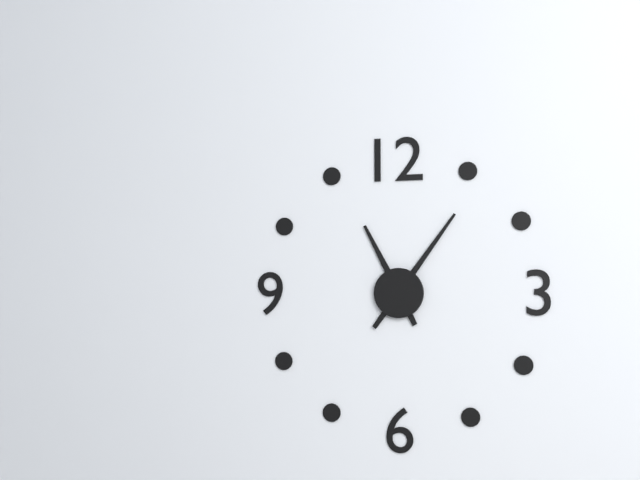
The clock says **11:06**
